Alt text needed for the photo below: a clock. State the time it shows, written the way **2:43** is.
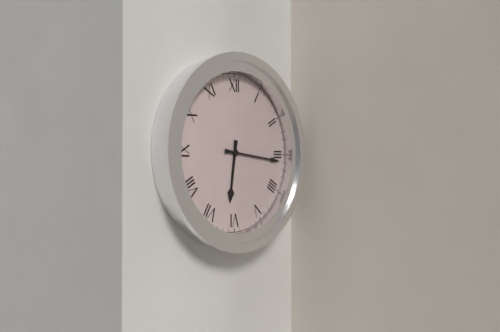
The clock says **6:16**
